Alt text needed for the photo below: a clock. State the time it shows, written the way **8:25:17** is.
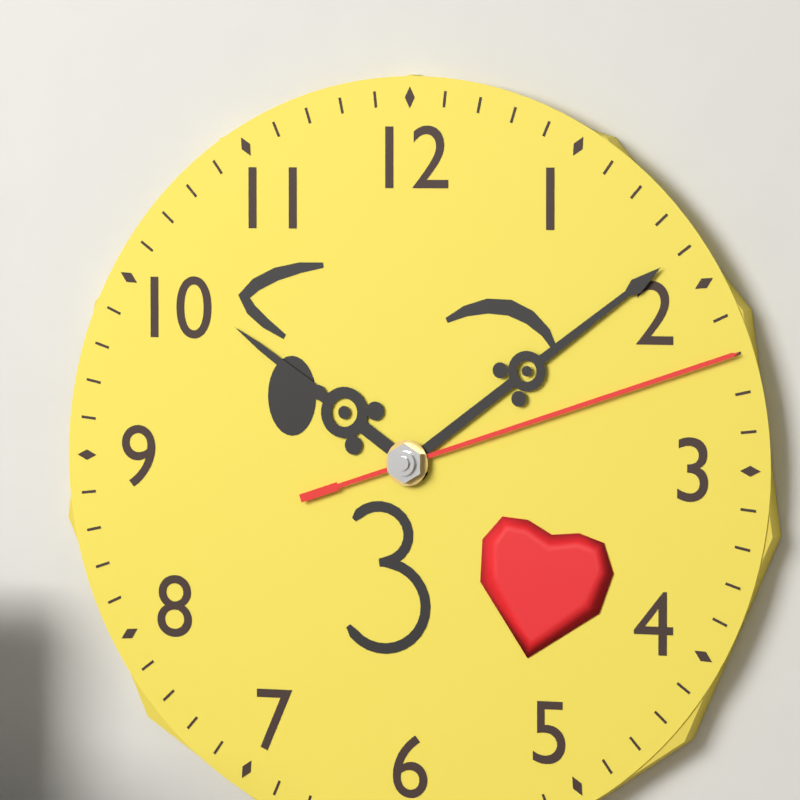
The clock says **10:09:12**
